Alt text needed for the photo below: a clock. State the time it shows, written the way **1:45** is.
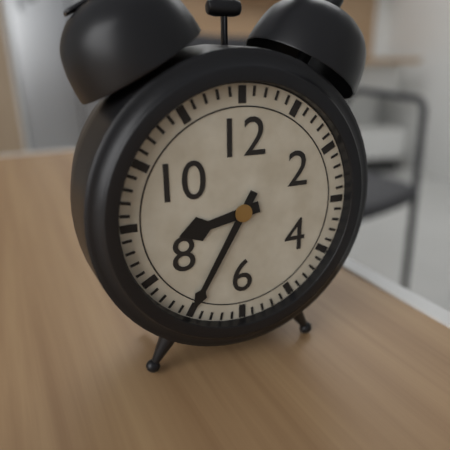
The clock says **8:35**
